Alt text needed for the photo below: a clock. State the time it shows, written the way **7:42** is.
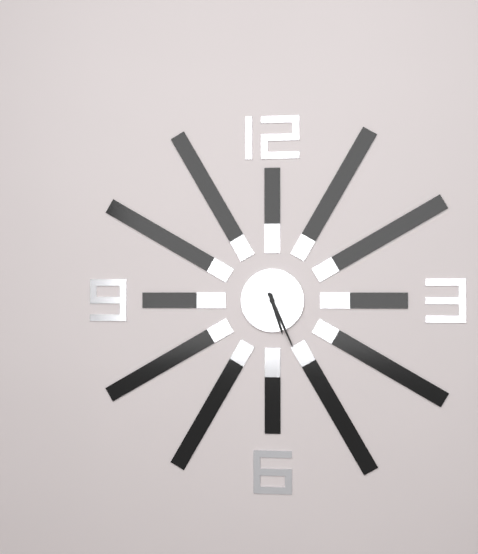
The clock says **5:26**
